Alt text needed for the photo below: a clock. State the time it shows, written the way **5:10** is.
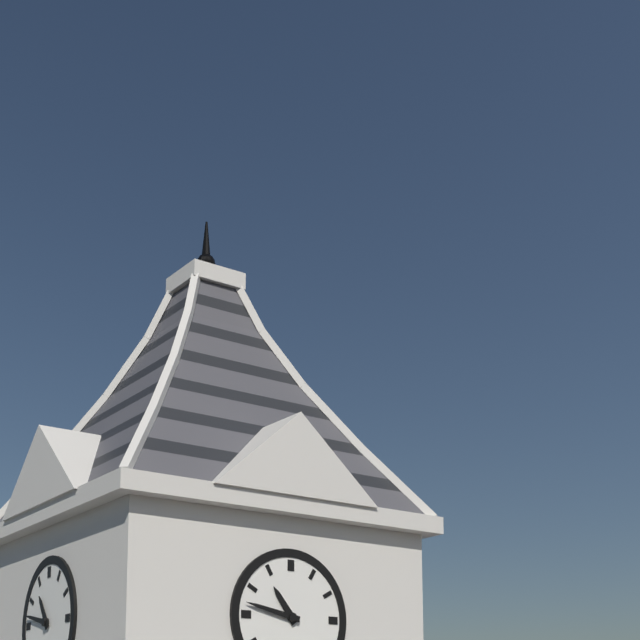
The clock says **10:47**
